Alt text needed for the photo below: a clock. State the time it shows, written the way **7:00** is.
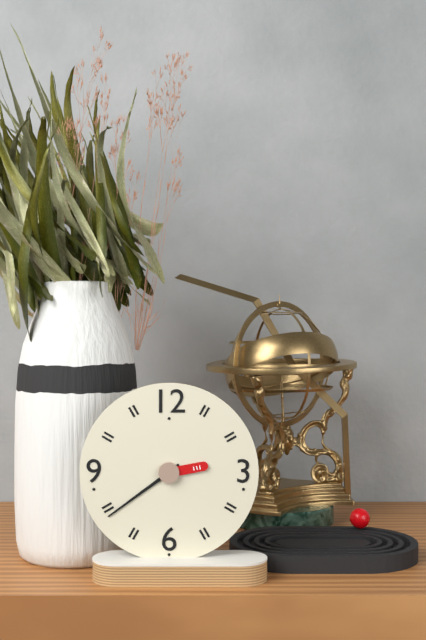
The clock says **2:39**
